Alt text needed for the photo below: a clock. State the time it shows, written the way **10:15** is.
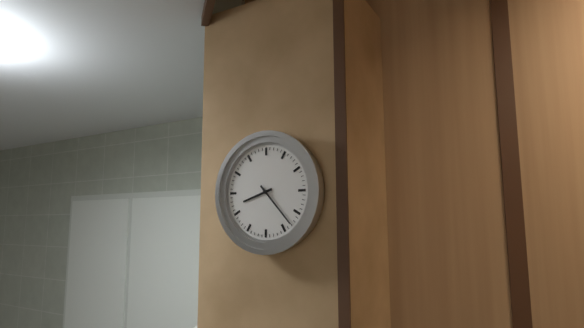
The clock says **8:23**
